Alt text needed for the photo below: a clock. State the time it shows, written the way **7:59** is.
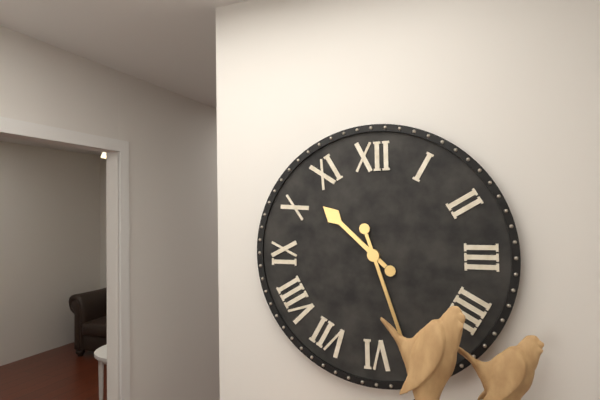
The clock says **10:27**
